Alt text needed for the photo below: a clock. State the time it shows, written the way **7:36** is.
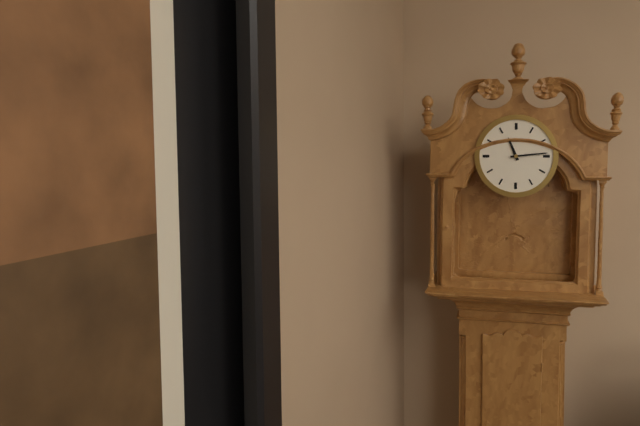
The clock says **11:14**
